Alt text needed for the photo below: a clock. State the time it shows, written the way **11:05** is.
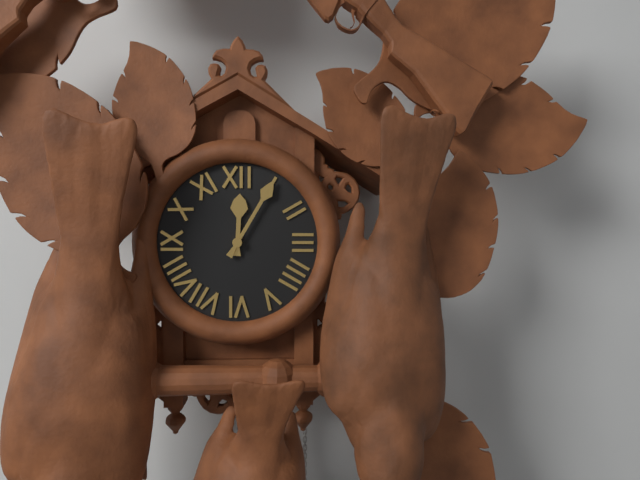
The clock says **12:05**
